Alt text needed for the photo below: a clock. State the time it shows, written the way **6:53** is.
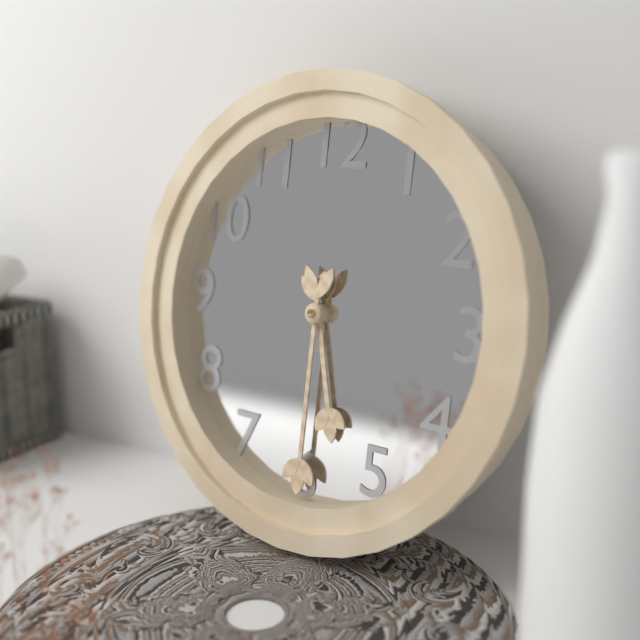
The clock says **5:30**
